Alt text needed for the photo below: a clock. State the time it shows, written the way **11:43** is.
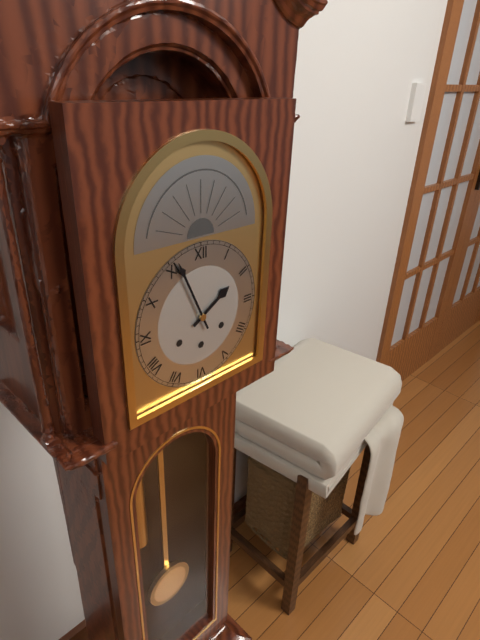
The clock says **1:56**
